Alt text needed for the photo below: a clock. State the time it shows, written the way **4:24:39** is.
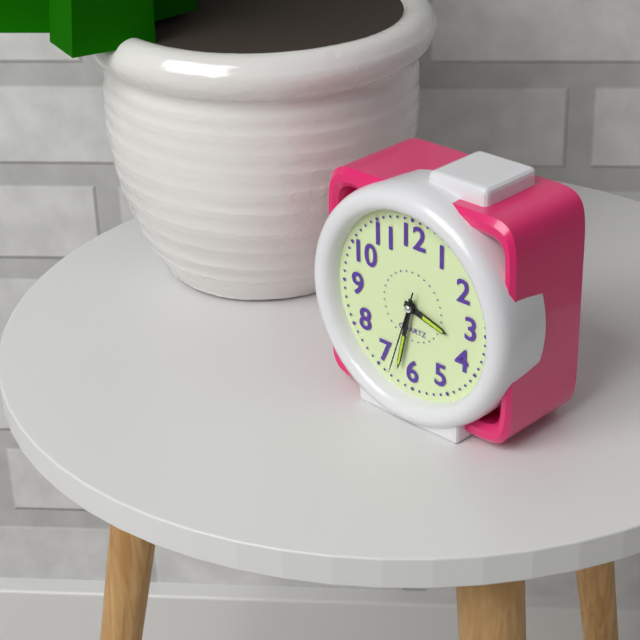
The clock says **3:32:33**
